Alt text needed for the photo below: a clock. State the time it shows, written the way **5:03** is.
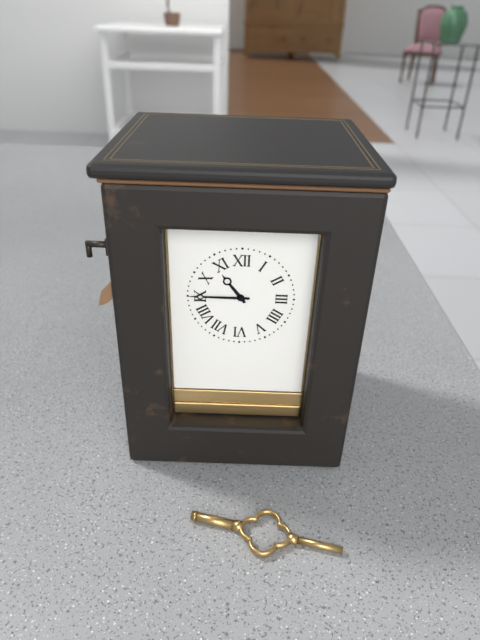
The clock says **10:45**
